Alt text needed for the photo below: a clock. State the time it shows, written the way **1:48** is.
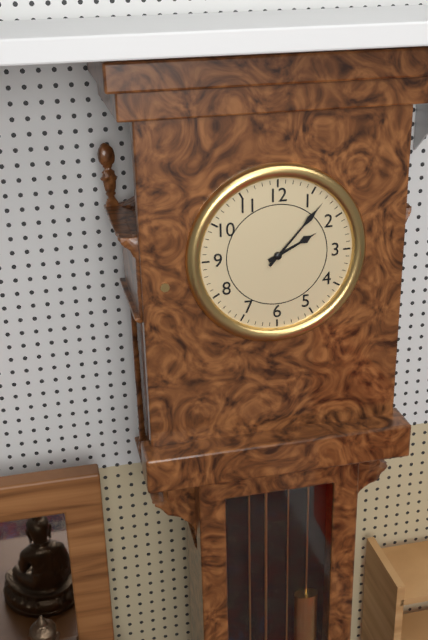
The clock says **2:07**
